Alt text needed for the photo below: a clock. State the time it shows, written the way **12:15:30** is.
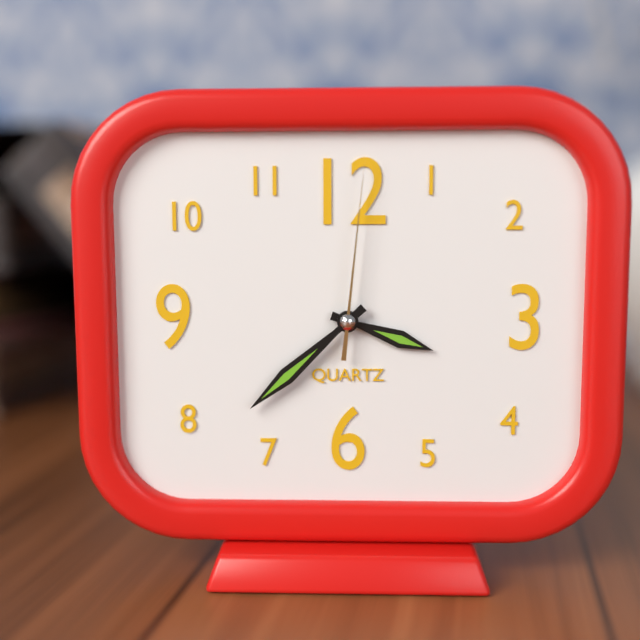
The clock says **3:38:01**
